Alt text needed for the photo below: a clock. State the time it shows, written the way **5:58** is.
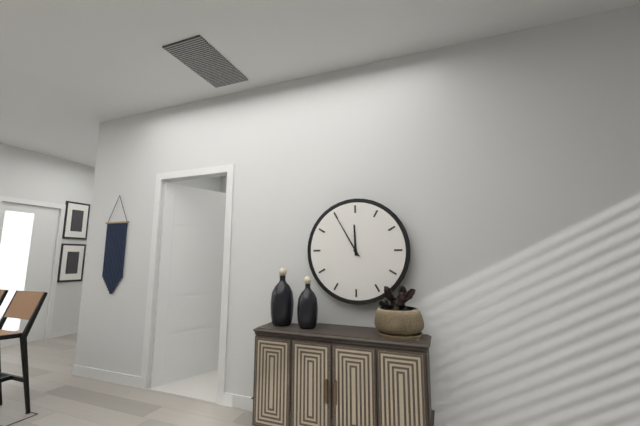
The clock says **11:55**
